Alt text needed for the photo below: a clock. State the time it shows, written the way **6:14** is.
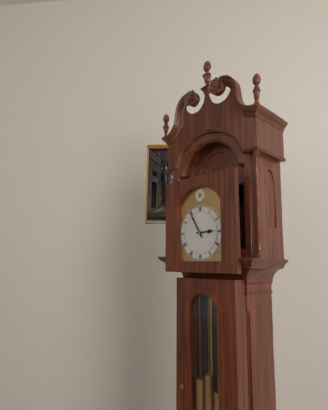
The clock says **2:55**
